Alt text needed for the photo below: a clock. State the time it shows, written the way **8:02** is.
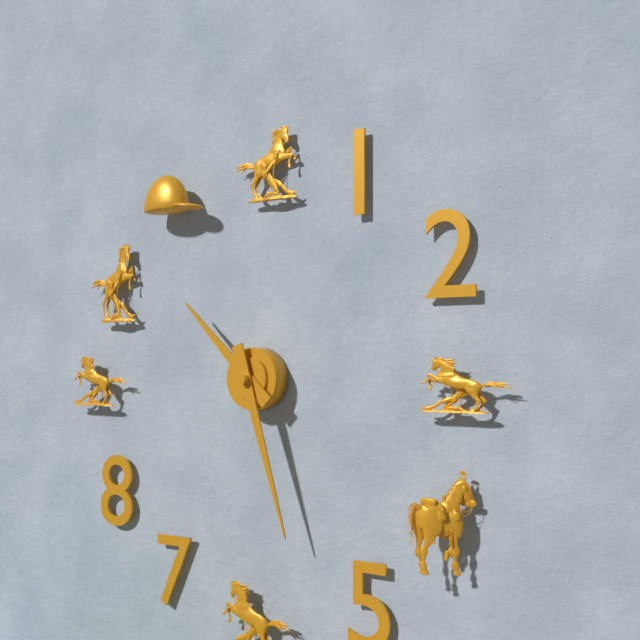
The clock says **10:27**
